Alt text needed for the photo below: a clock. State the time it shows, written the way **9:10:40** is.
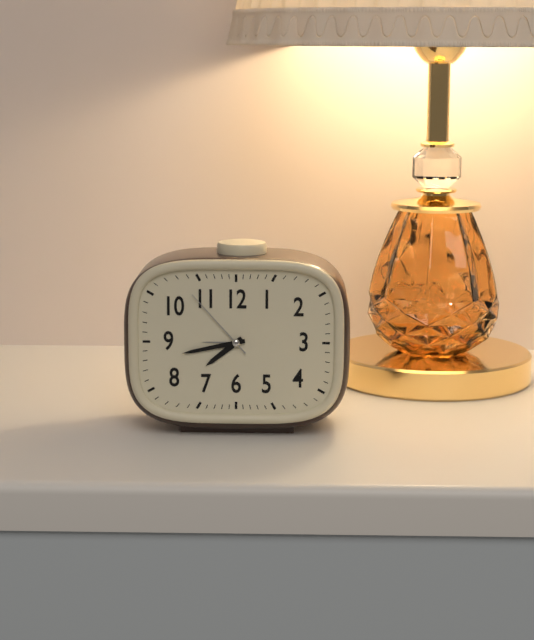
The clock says **7:43:53**
